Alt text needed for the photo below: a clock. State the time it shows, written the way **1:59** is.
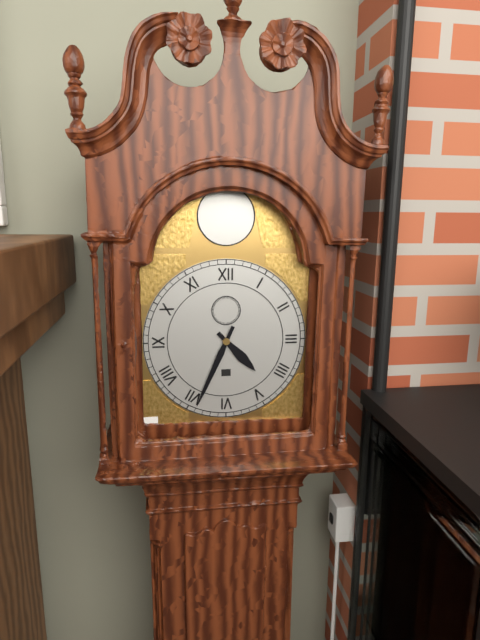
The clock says **4:34**
